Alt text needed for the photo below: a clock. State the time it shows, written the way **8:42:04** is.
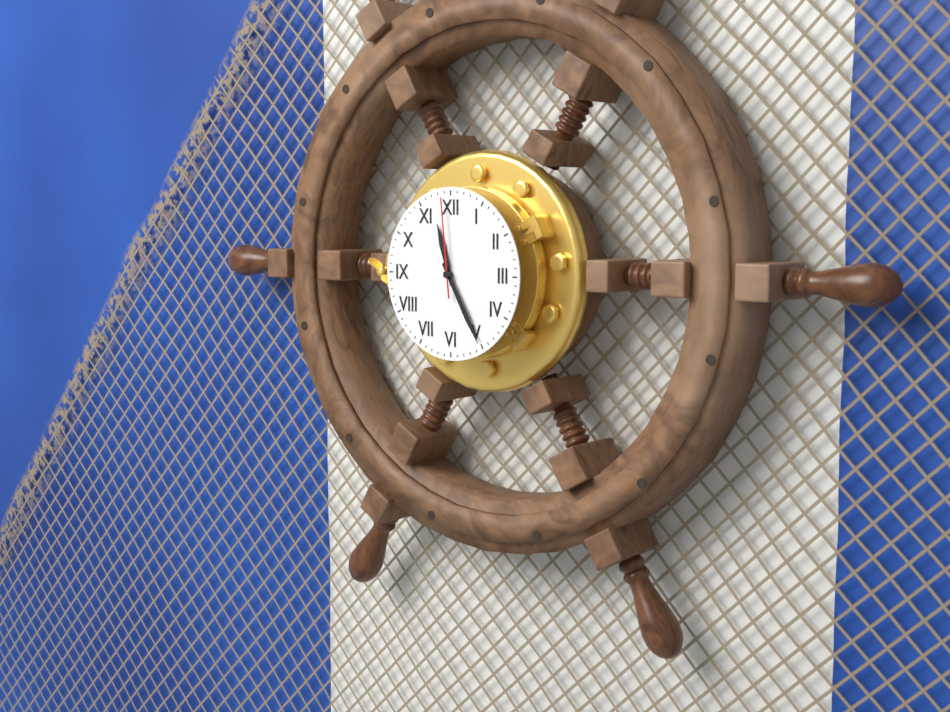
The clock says **11:25:59**
